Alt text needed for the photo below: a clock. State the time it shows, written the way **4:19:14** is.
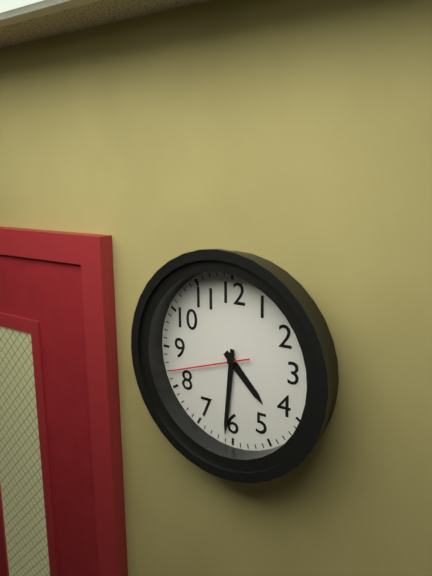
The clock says **4:31:42**
